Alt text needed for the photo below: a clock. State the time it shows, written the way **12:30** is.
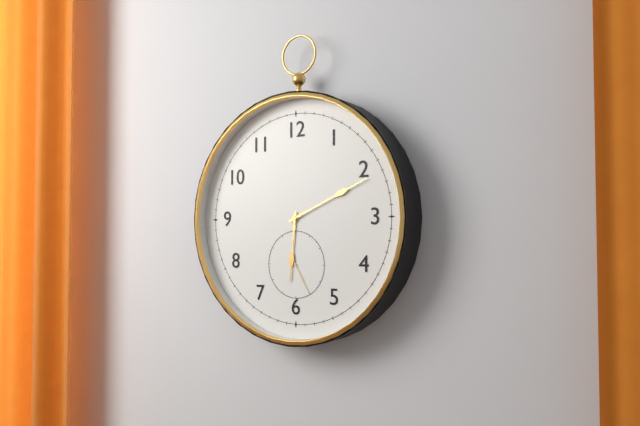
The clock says **6:11**
